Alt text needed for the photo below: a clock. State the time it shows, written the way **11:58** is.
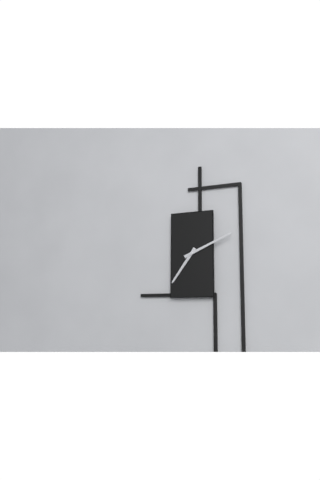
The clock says **7:11**
